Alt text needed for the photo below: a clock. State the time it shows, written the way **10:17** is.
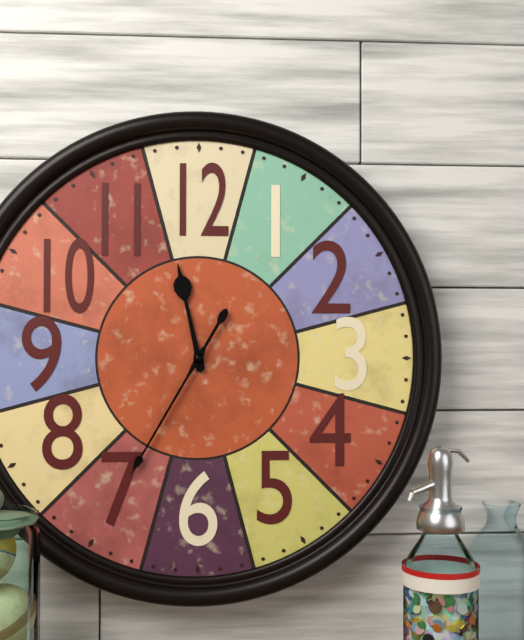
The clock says **11:35**
